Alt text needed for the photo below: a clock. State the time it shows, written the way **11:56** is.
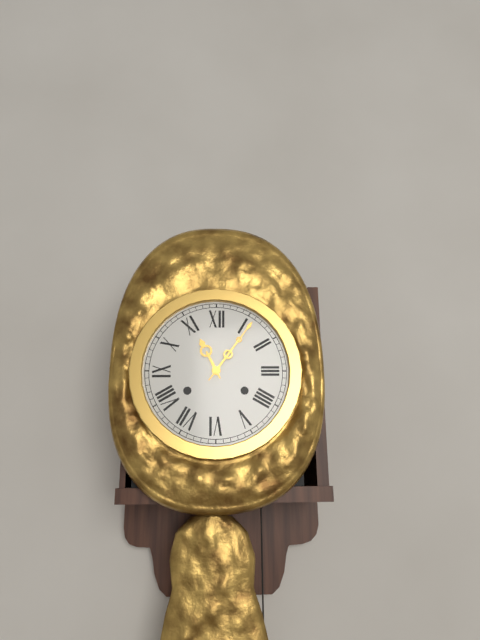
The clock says **11:06**
